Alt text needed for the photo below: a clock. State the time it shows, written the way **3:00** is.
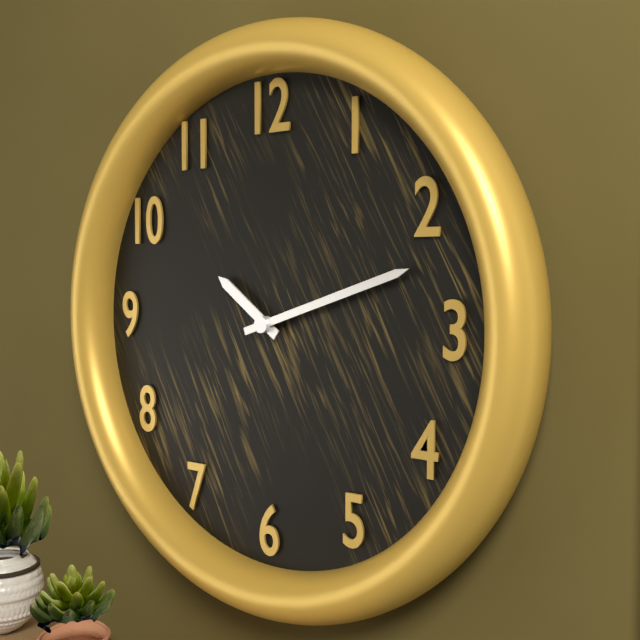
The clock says **10:12**
